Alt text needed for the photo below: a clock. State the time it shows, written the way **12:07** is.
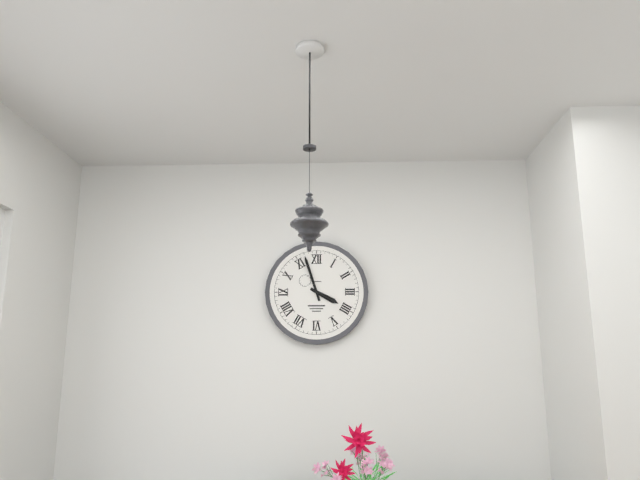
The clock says **3:57**
